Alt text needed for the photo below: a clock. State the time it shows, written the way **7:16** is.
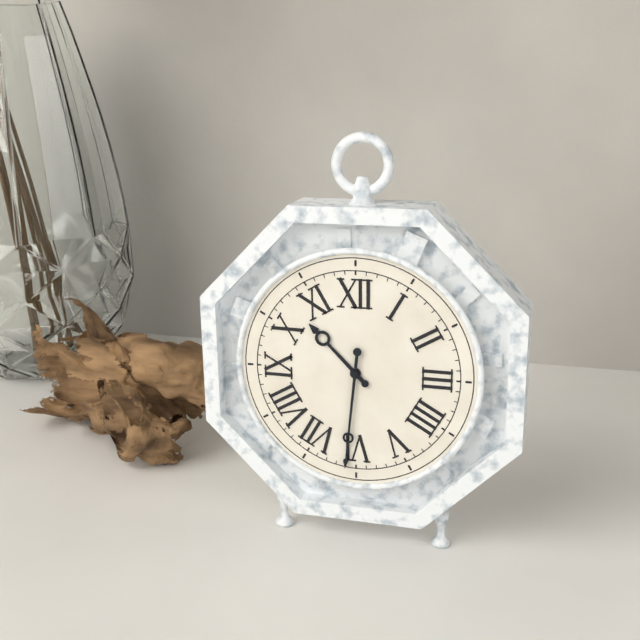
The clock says **10:31**
